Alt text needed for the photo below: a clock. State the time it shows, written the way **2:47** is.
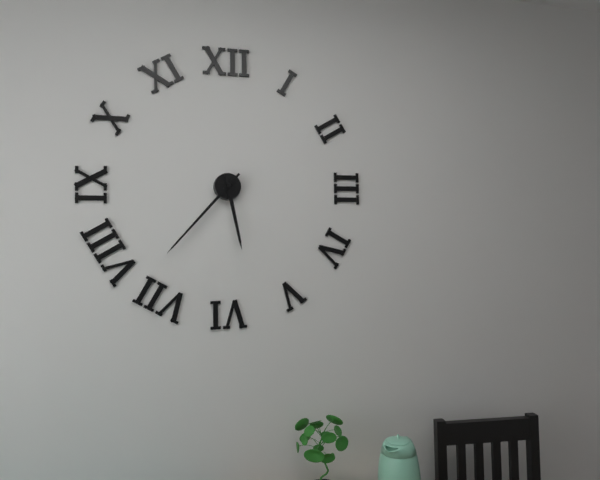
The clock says **5:37**
